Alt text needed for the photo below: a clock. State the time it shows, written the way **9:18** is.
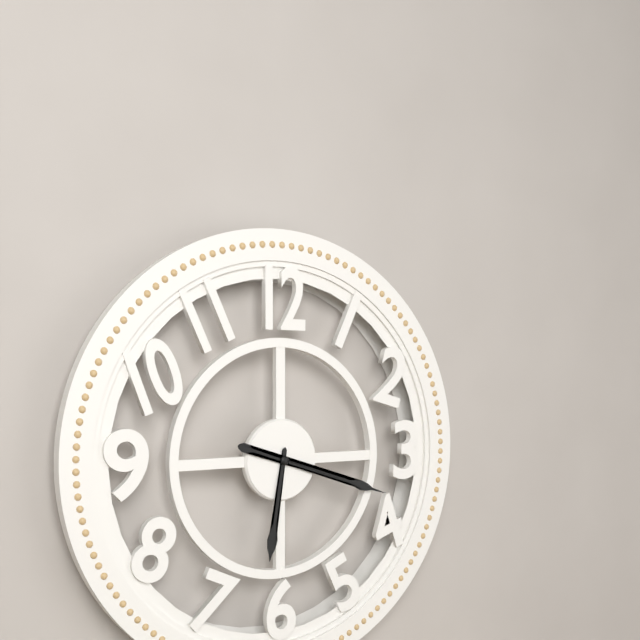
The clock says **6:18**
